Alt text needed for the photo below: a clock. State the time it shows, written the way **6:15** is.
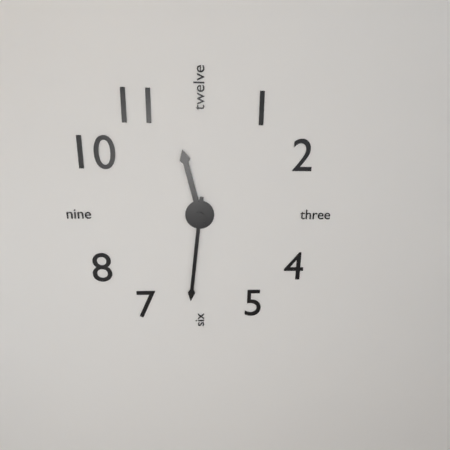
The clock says **11:31**
